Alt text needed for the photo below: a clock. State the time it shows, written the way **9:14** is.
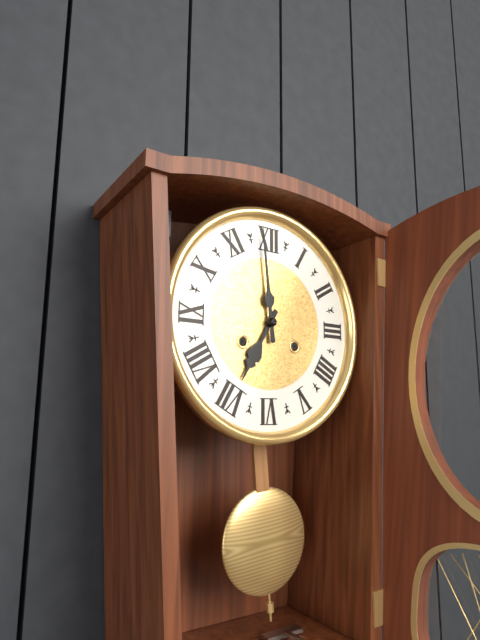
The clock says **6:59**
